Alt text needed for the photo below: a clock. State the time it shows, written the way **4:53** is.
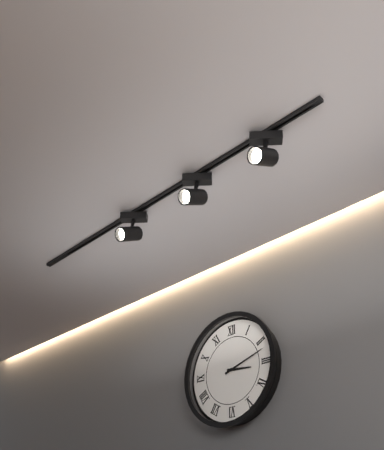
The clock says **3:12**
